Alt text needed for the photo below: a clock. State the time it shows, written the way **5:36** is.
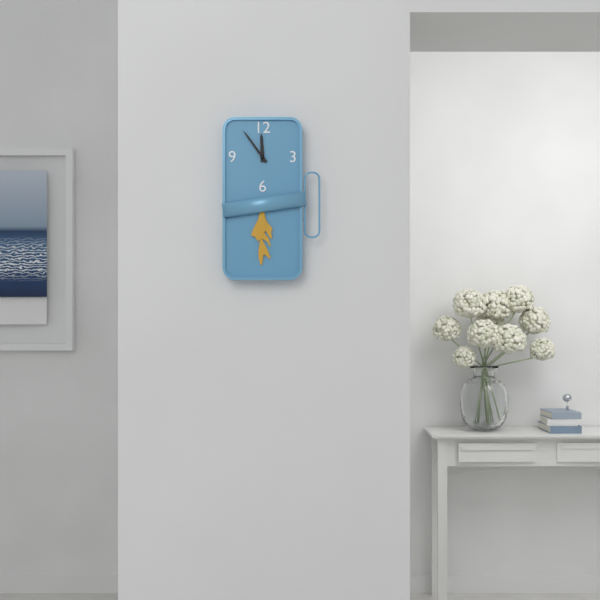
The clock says **11:54**
